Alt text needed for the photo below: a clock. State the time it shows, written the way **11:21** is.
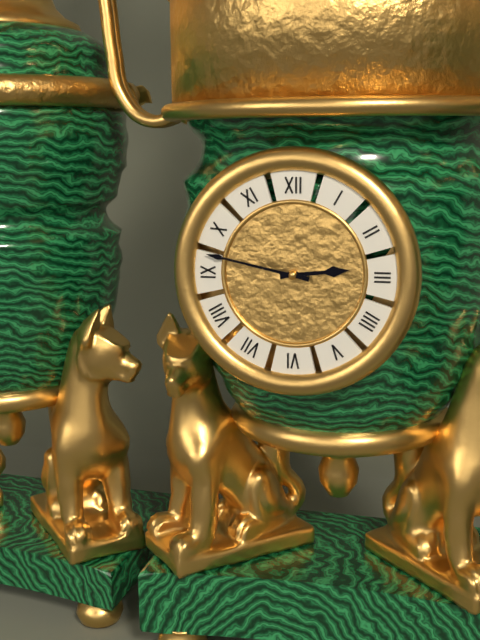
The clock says **2:47**
